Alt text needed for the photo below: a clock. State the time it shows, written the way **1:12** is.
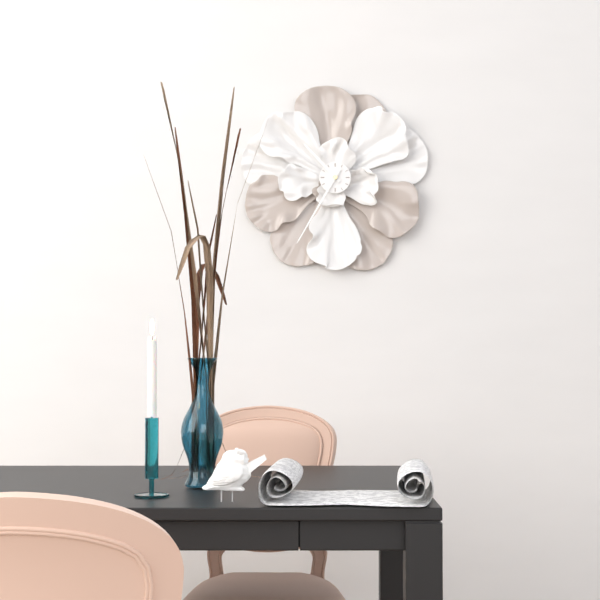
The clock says **10:35**
